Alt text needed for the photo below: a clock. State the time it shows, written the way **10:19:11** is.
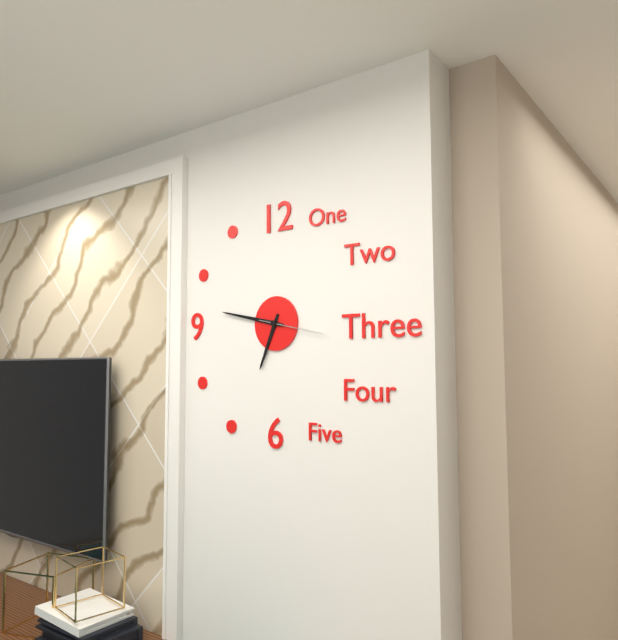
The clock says **6:47:17**
